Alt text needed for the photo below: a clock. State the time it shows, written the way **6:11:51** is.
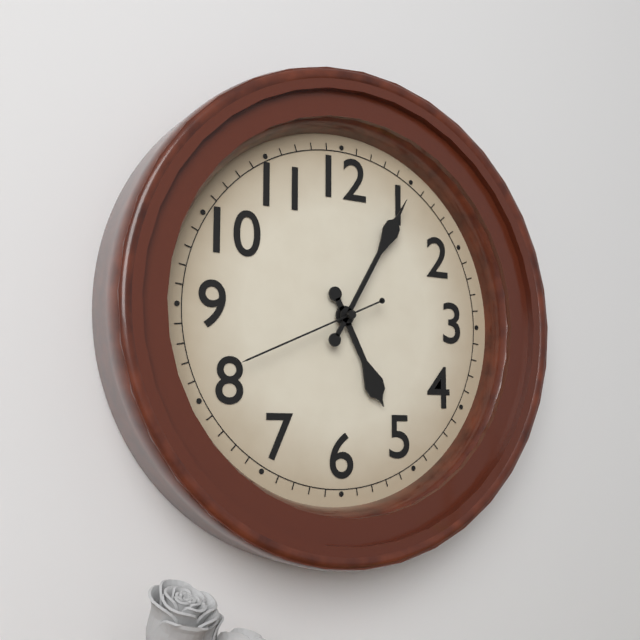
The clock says **5:05:41**
